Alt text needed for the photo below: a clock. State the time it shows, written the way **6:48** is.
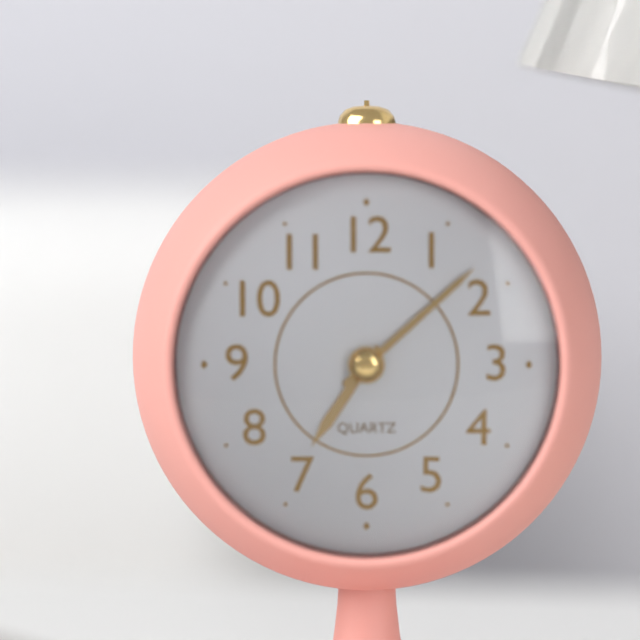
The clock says **7:08**
